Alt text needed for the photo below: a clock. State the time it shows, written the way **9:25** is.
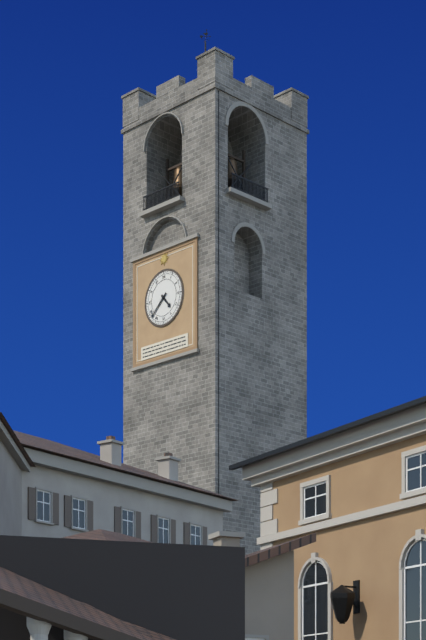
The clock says **4:38**
